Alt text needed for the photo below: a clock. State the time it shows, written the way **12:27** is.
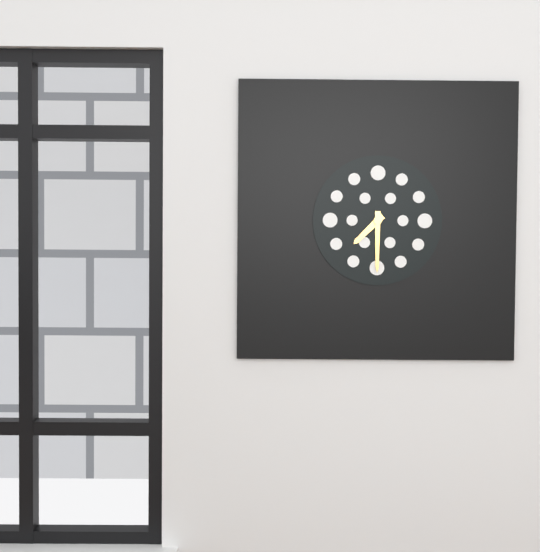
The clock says **7:30**
